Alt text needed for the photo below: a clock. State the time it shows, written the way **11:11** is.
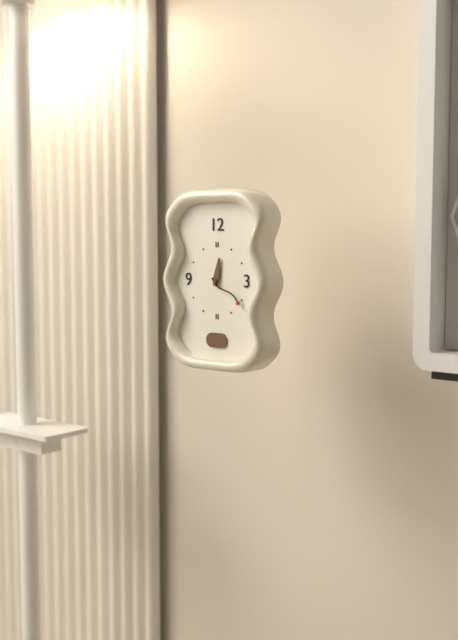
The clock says **12:21**
